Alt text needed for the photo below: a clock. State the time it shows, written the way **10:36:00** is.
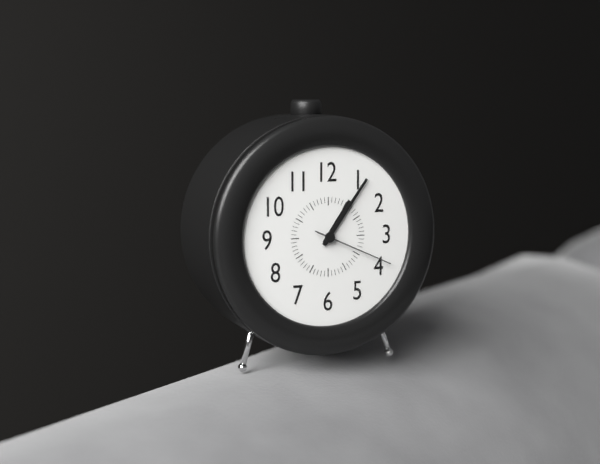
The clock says **1:06:19**
